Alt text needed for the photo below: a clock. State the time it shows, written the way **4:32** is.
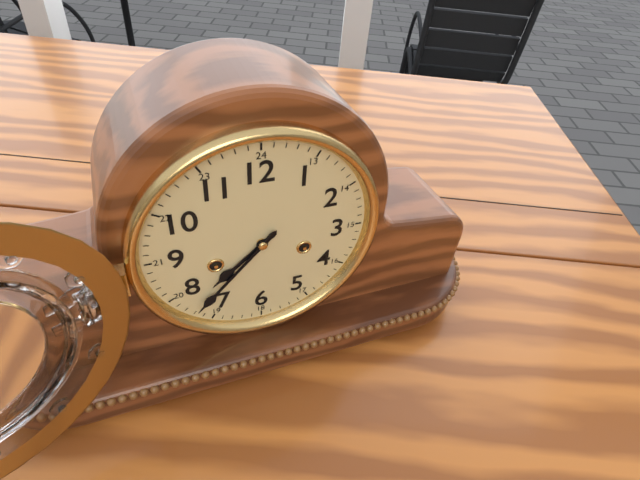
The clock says **7:37**
